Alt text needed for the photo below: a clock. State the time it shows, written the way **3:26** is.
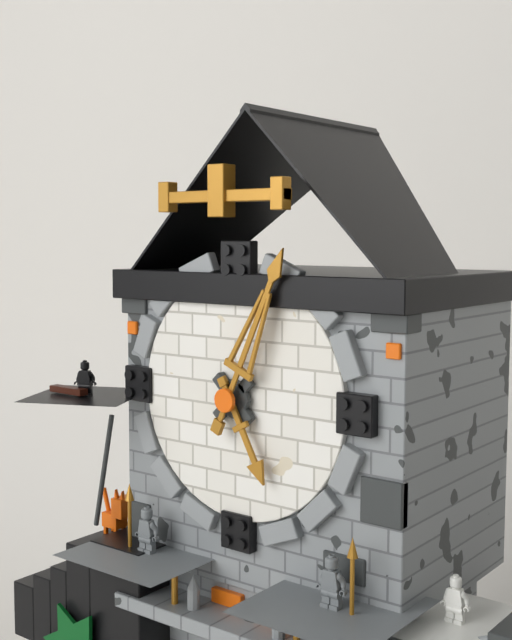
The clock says **5:04**
